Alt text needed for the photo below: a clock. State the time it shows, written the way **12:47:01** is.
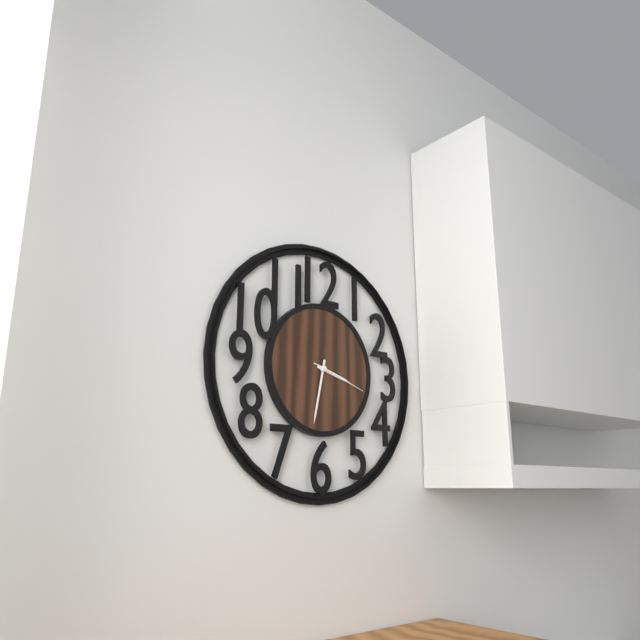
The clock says **3:32:18**
